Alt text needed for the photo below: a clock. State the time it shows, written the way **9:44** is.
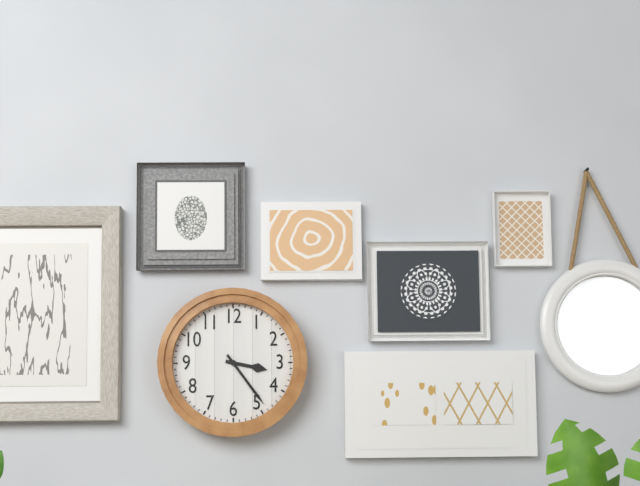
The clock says **3:24**
